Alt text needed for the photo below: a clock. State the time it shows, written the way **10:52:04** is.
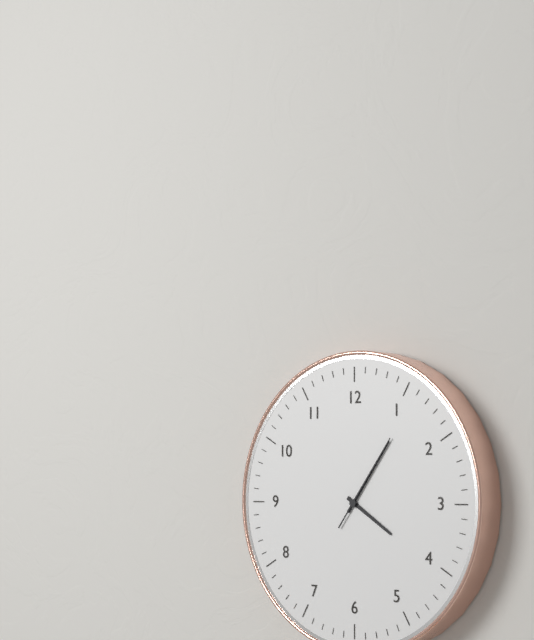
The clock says **4:06:06**
